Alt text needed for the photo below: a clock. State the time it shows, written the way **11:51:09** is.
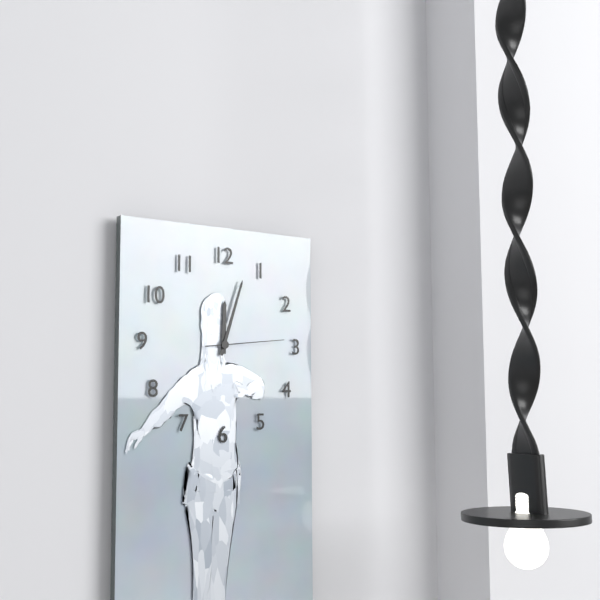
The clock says **12:03:14**
